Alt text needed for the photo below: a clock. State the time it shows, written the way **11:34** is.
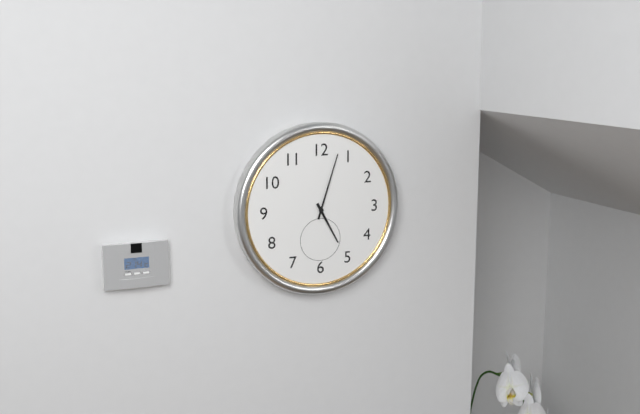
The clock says **5:03**
